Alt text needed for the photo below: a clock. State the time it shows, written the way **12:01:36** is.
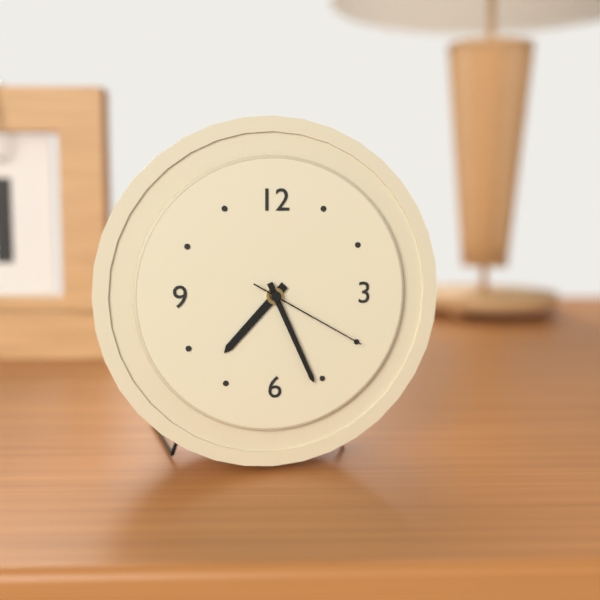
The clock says **7:26:20**
